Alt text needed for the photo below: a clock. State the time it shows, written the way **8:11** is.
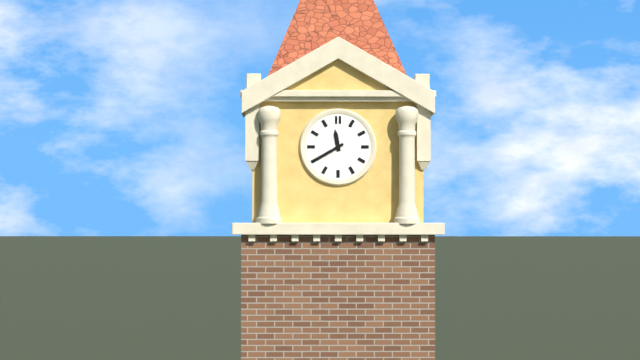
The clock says **11:40**
